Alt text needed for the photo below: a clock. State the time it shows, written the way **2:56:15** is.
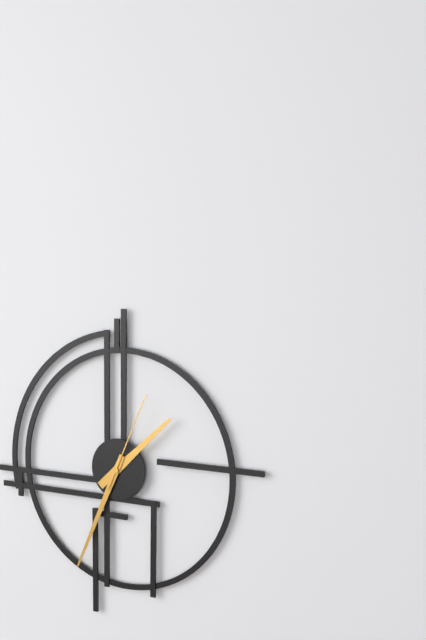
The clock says **1:34:04**
